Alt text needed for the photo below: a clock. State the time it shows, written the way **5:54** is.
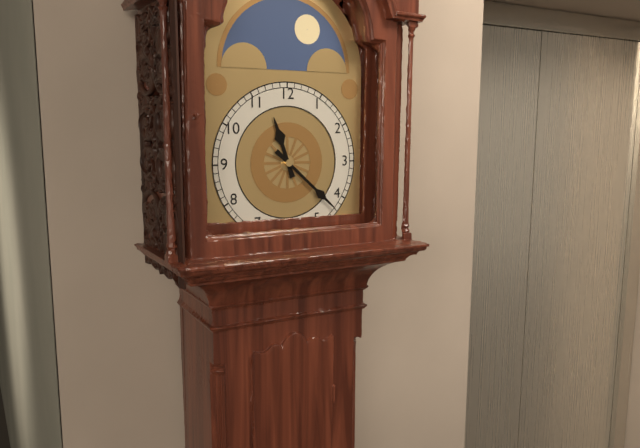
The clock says **11:22**
